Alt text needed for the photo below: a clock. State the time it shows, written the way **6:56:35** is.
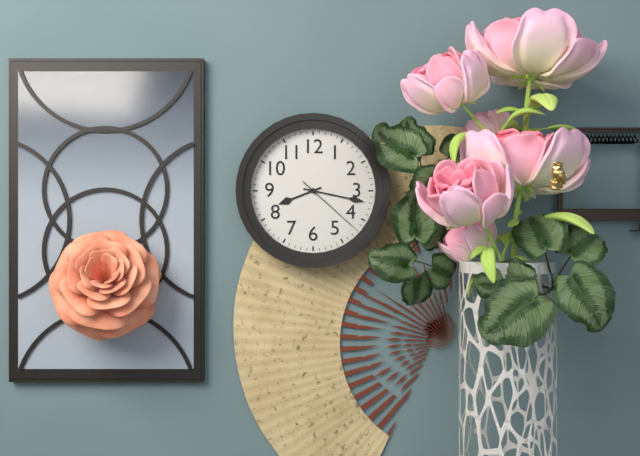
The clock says **8:17:22**
